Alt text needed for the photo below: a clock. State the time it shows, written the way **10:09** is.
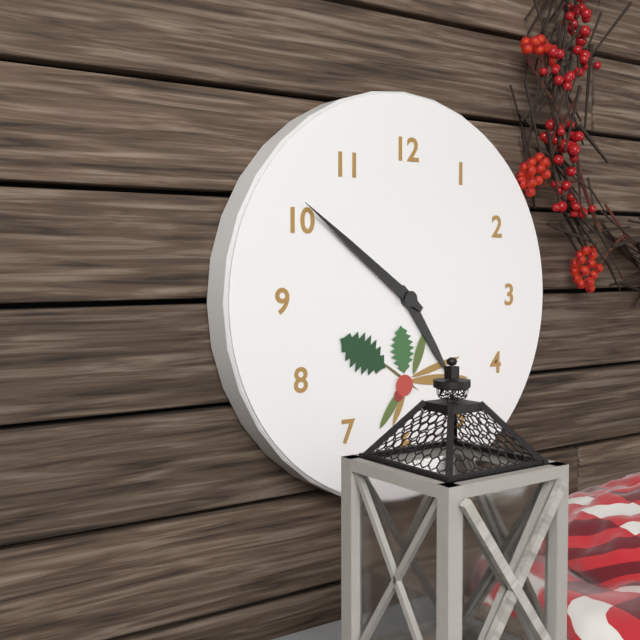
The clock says **4:51**
